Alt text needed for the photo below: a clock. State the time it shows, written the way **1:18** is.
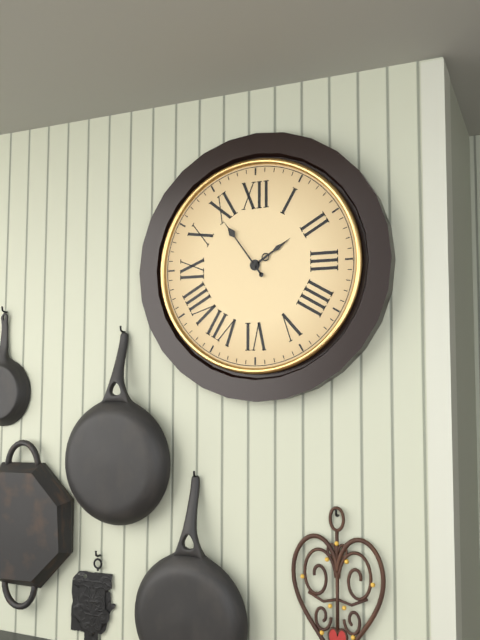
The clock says **1:54**
